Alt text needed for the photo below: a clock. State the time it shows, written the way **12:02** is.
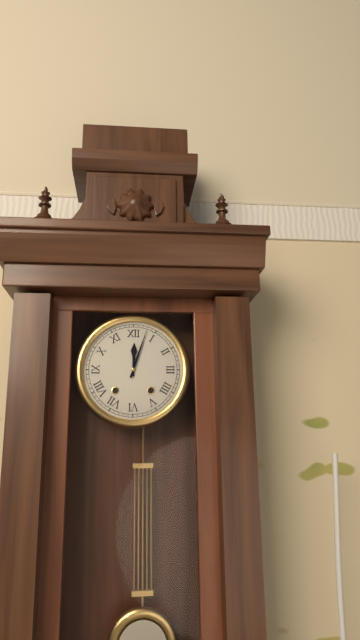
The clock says **12:03**
